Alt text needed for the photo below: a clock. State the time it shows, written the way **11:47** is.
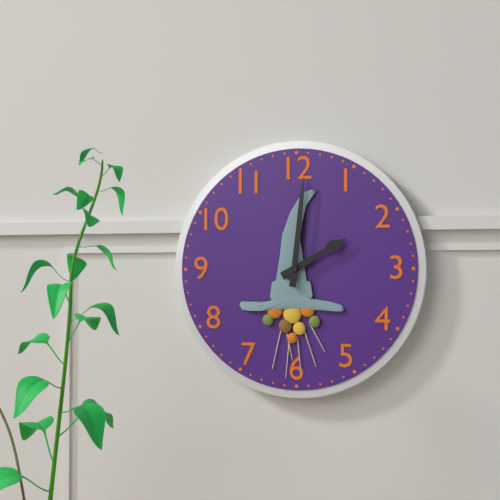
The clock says **2:01**
